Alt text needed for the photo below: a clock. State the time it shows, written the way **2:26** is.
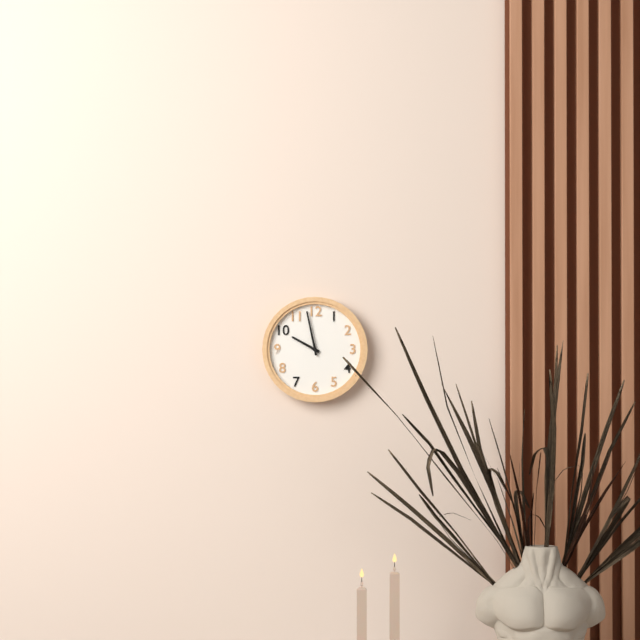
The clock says **9:58**
